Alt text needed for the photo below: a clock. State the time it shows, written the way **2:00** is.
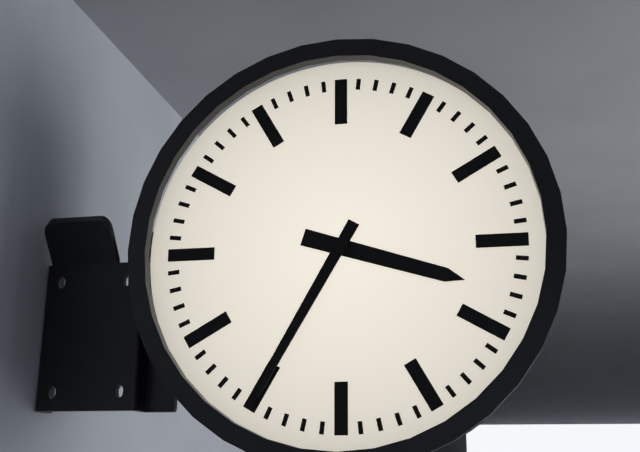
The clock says **3:35**
